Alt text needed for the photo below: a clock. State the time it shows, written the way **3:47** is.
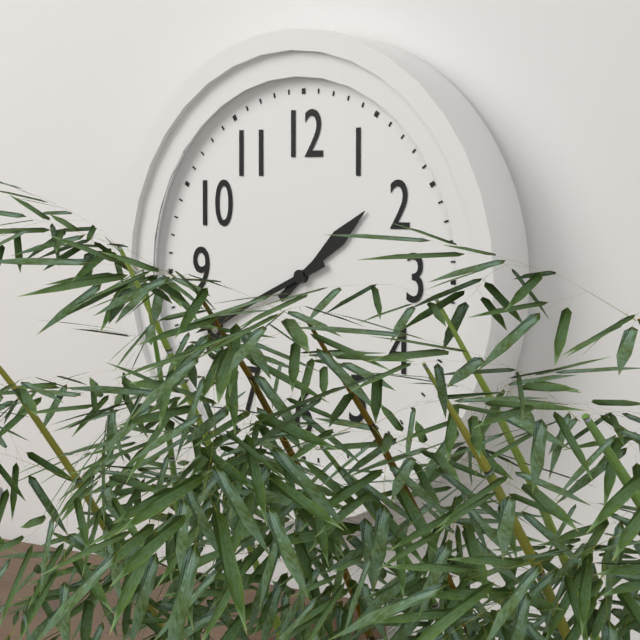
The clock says **1:41**
